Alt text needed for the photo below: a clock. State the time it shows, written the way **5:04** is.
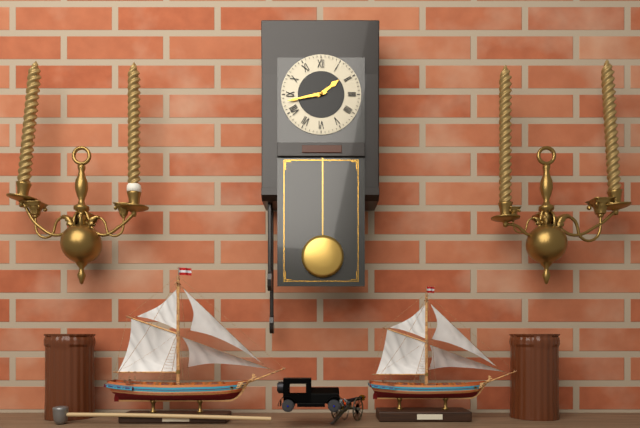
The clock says **1:43**
